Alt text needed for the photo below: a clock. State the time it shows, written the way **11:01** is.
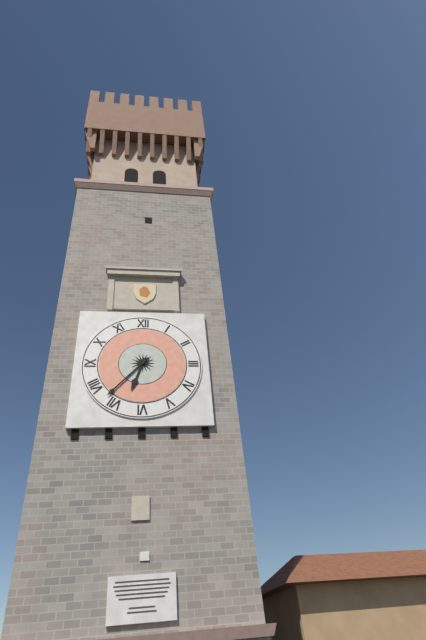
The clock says **6:37**
